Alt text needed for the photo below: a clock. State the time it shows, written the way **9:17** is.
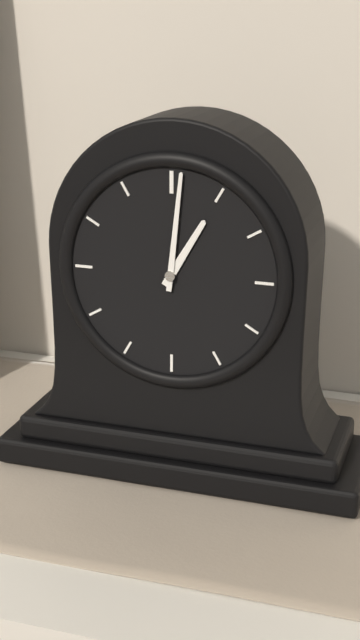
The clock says **1:01**
